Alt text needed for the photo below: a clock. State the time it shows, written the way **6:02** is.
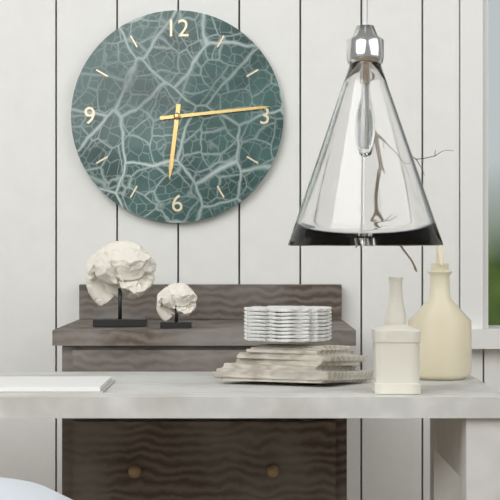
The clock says **6:14**
